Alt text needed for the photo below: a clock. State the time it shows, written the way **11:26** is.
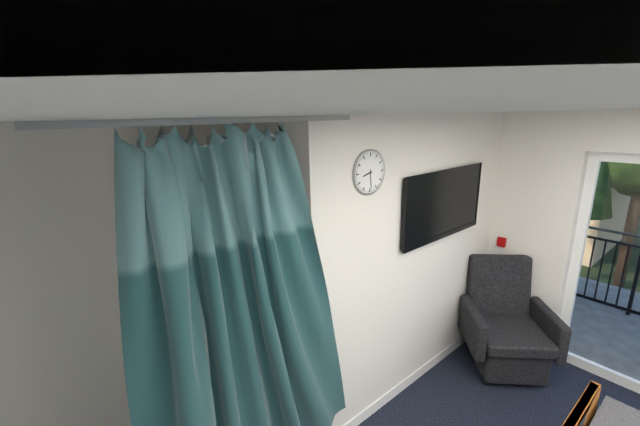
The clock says **8:29**
